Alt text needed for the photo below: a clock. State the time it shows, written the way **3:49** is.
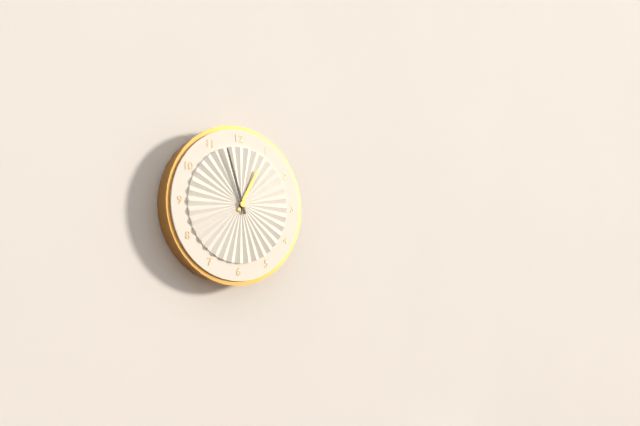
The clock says **12:57**
